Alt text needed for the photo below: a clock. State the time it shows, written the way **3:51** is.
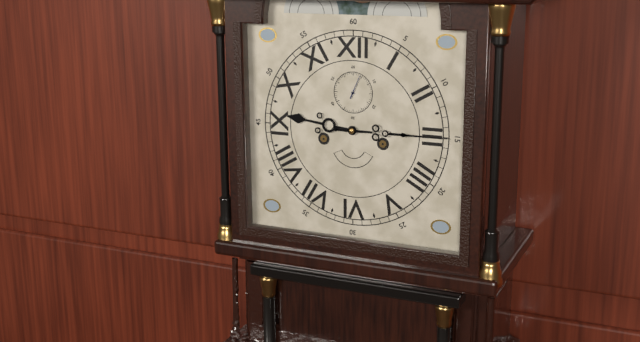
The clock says **9:15**
